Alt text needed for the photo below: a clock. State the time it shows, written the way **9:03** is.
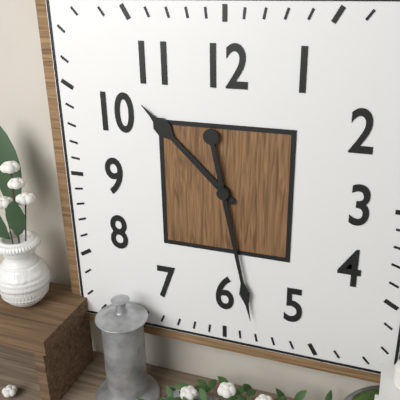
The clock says **10:28**
